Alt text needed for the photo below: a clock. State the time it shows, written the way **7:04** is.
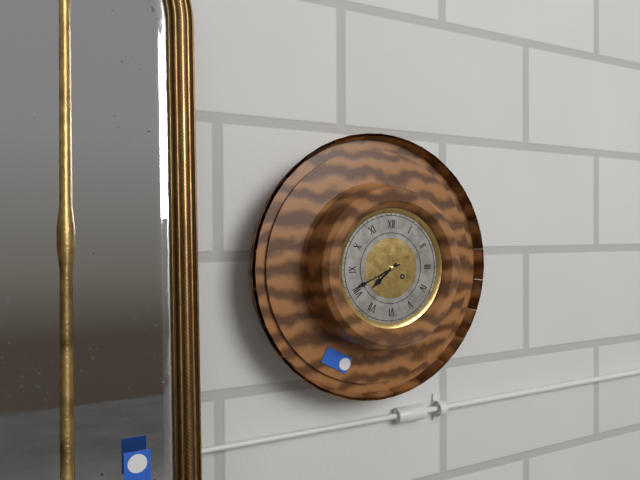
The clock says **7:41**
